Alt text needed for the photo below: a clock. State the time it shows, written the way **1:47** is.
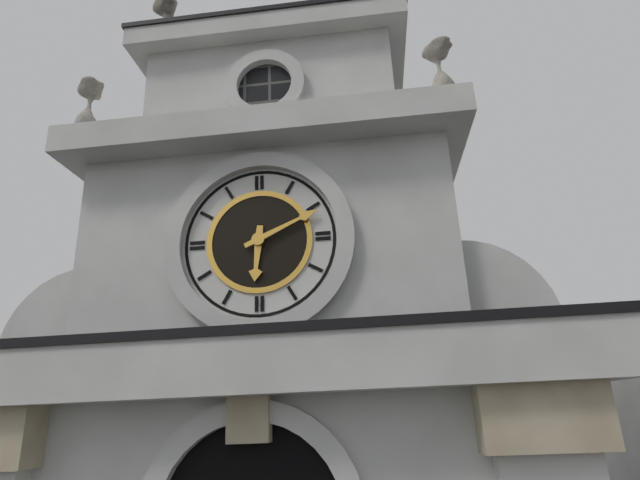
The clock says **6:11**
